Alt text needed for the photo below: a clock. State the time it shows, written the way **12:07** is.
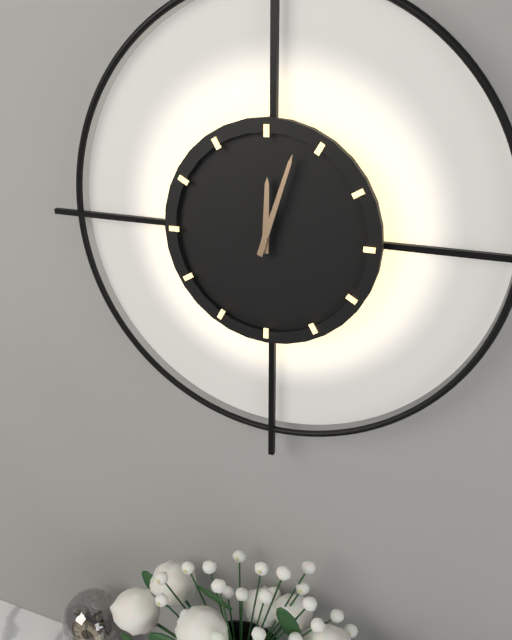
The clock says **12:03**
